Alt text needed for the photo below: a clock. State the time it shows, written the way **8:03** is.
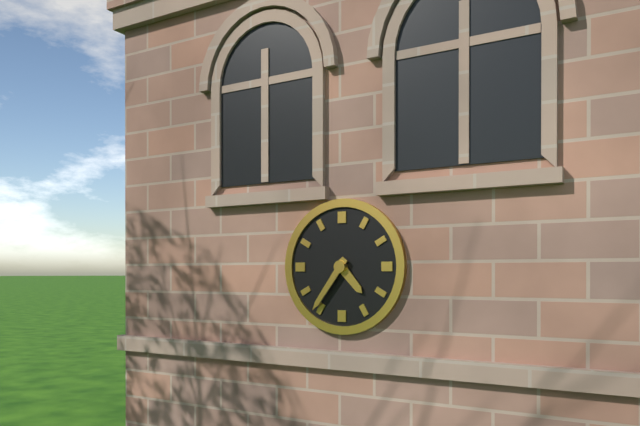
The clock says **4:36**
